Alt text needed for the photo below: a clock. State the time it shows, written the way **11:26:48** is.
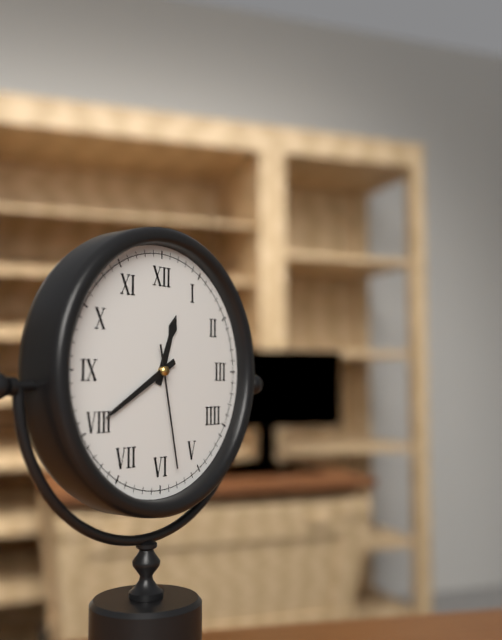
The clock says **12:40:28**
